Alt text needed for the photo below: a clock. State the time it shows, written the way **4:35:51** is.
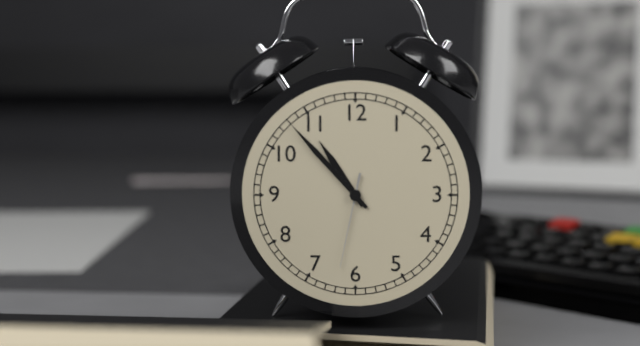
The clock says **10:53:32**
